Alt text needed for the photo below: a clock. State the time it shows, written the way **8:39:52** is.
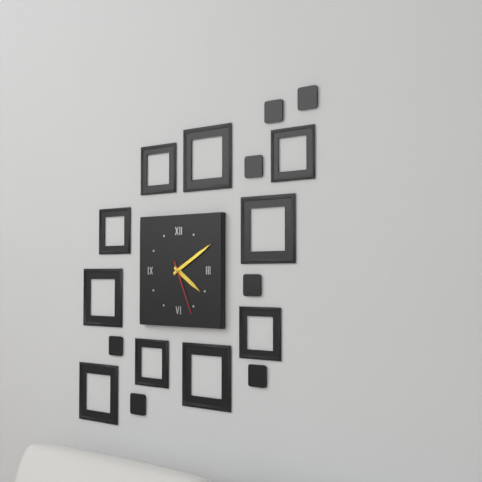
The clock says **4:10:26**
